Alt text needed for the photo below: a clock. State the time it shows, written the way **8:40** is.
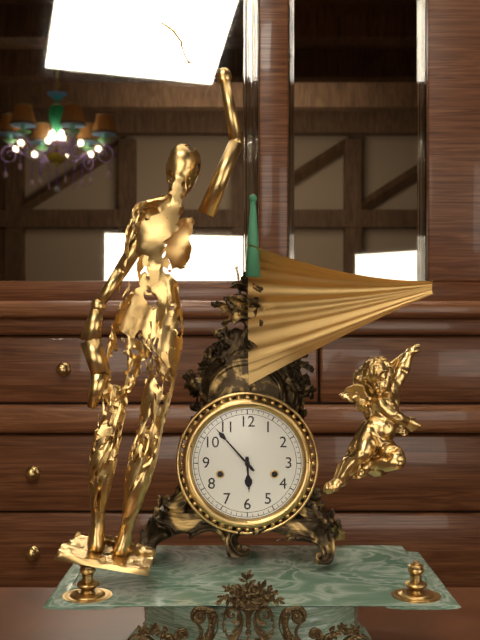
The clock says **5:53**
